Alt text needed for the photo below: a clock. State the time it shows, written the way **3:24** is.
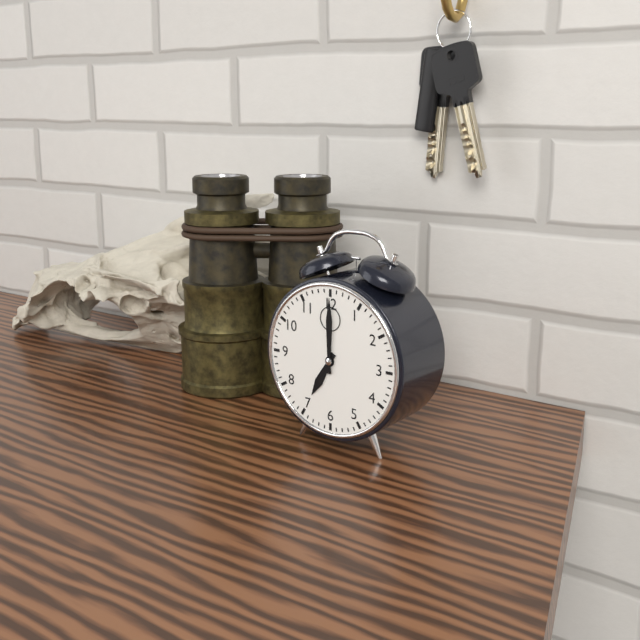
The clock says **7:00**
